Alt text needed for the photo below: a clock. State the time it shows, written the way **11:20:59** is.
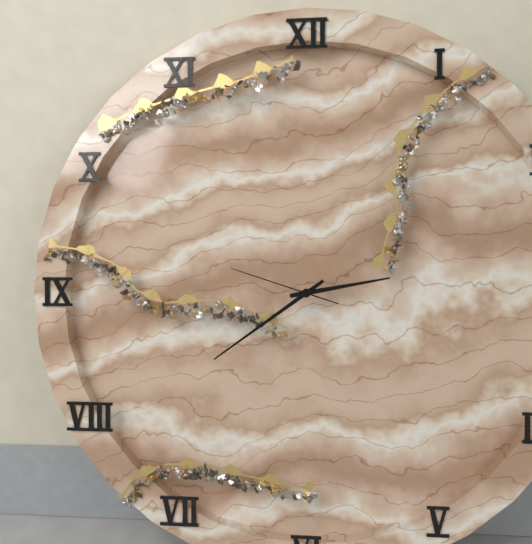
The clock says **2:39:48**
